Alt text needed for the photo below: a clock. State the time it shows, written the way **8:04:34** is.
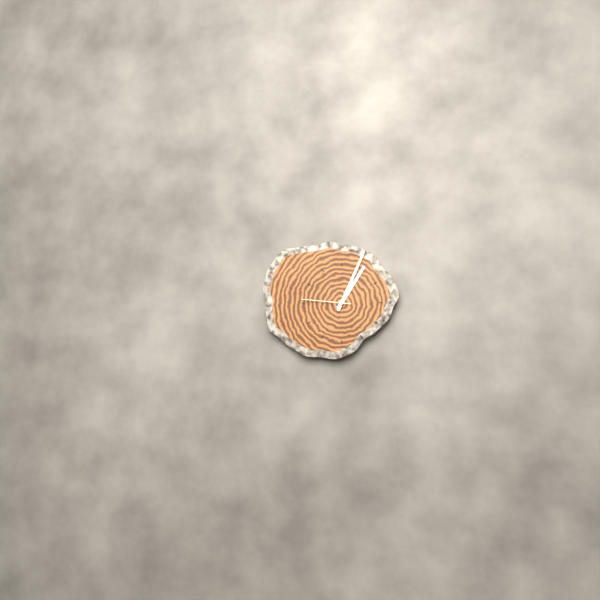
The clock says **1:04:46**
